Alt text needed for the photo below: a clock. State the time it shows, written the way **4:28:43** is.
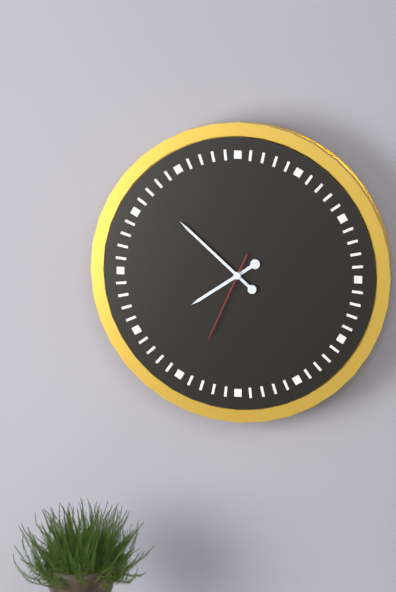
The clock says **7:52:34**
